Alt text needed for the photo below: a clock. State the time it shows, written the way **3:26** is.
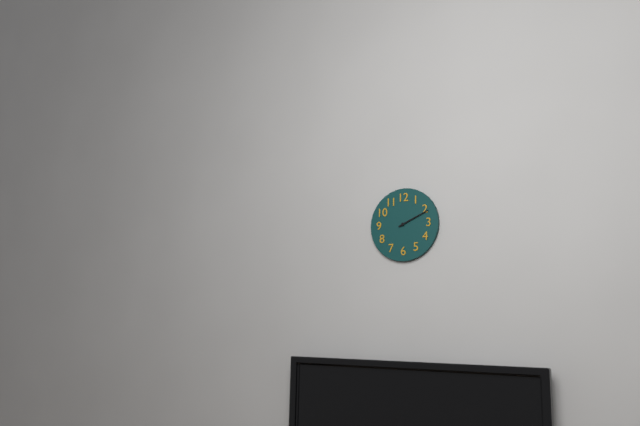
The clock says **2:11**
